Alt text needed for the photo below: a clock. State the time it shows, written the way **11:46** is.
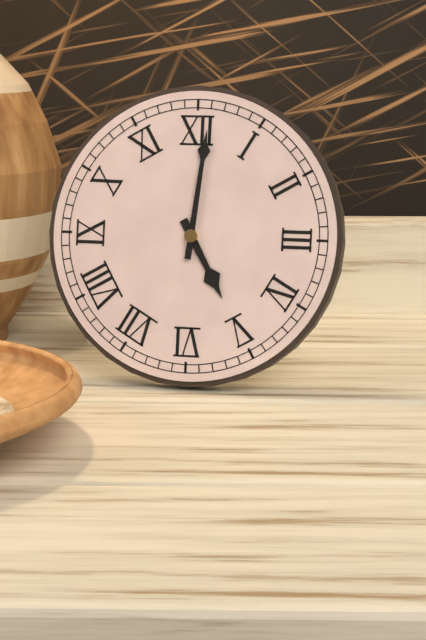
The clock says **5:01**
